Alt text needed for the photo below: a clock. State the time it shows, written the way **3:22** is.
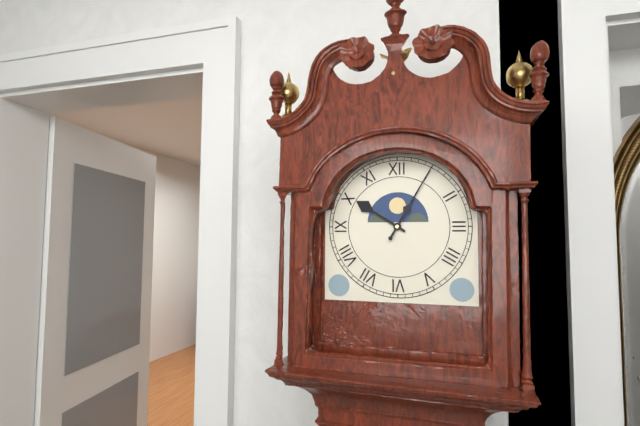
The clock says **10:05**
